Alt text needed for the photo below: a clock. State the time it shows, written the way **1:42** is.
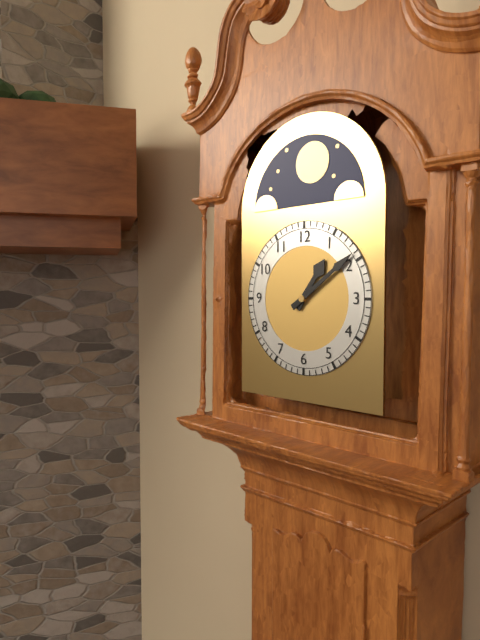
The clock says **1:09**
